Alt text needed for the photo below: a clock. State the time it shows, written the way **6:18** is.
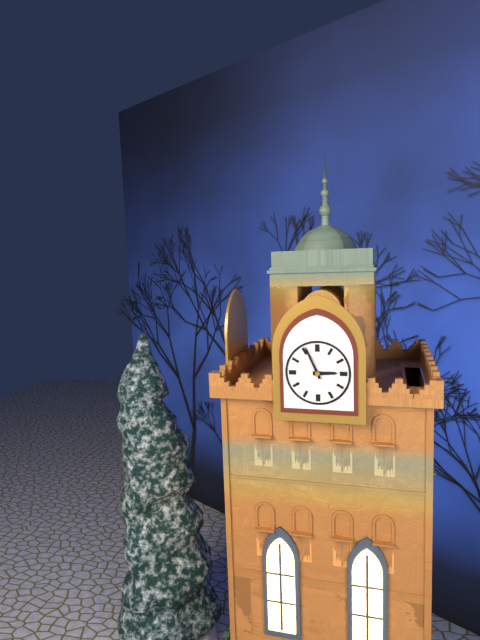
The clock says **2:56**
